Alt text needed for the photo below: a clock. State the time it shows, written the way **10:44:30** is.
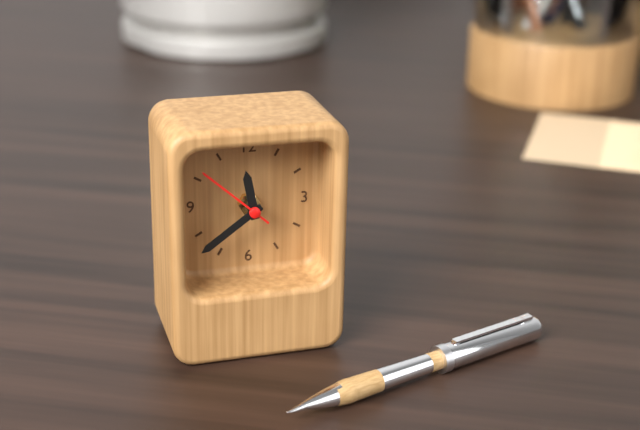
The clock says **11:39:52**
